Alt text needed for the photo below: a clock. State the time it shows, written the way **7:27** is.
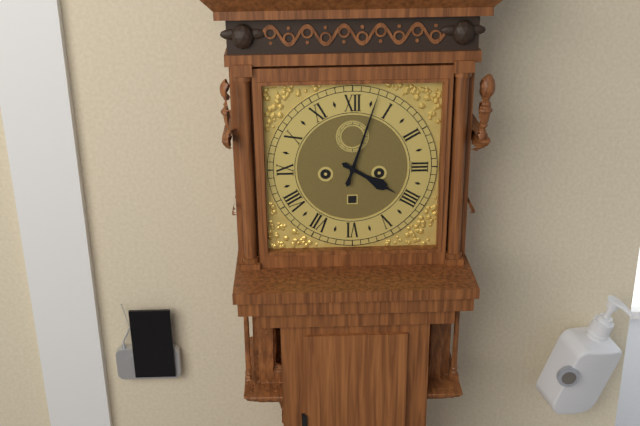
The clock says **4:03**
